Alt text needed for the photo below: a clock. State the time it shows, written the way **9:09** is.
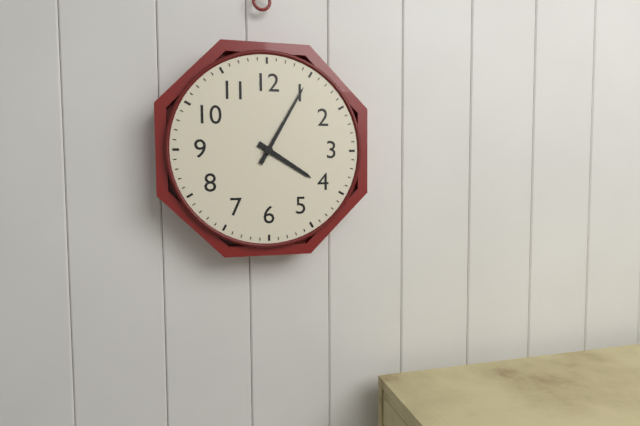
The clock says **4:05**
